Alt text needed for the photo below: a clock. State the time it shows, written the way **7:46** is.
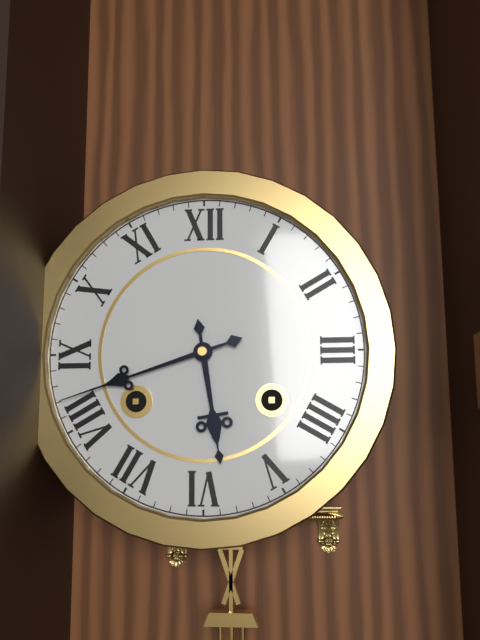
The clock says **5:42**
